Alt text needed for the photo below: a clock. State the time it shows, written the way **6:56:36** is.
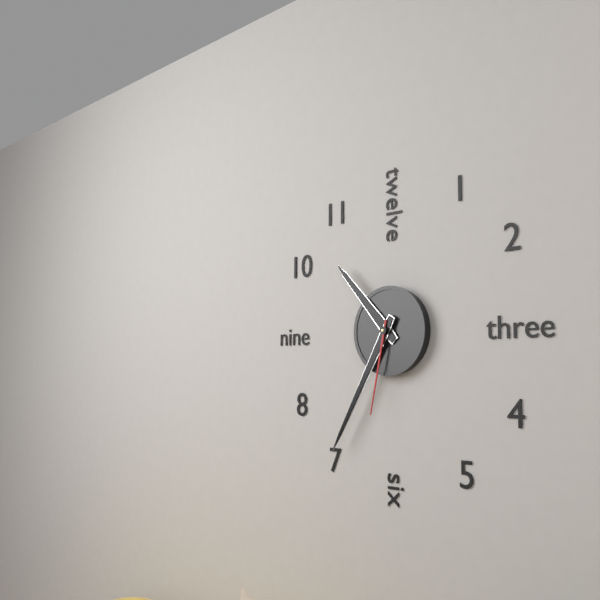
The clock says **10:35:32**
